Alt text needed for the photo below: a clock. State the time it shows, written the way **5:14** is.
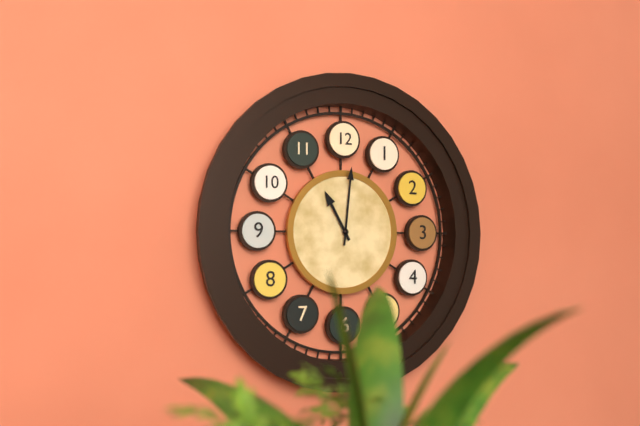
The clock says **11:01**
